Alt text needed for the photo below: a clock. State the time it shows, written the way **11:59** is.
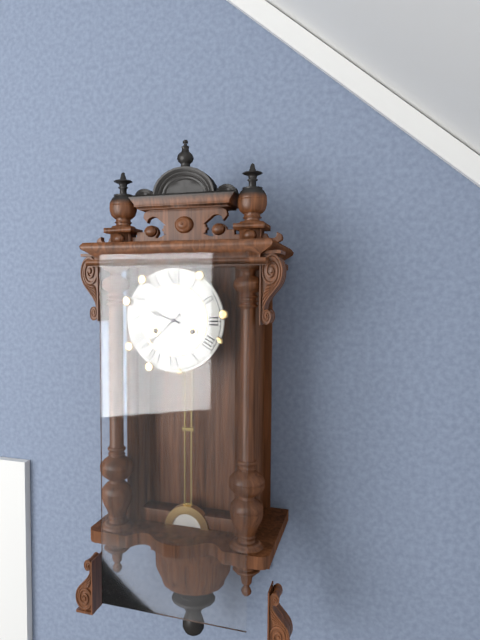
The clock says **9:38**
